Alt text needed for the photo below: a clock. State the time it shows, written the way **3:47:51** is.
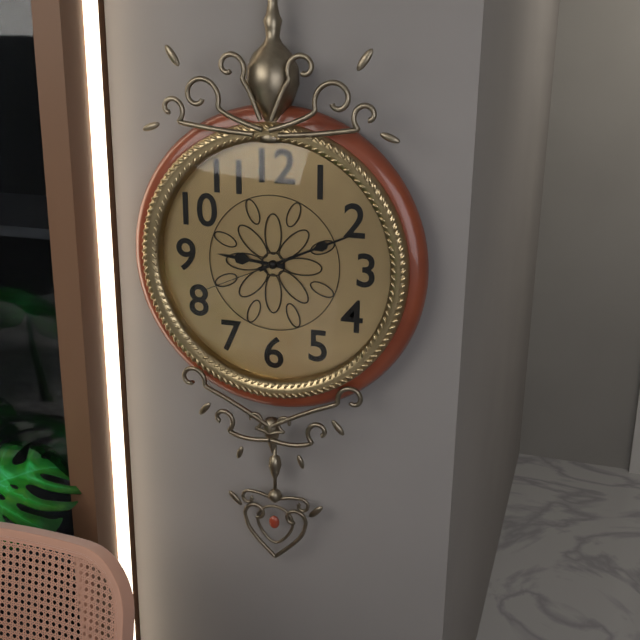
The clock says **9:11:41**
